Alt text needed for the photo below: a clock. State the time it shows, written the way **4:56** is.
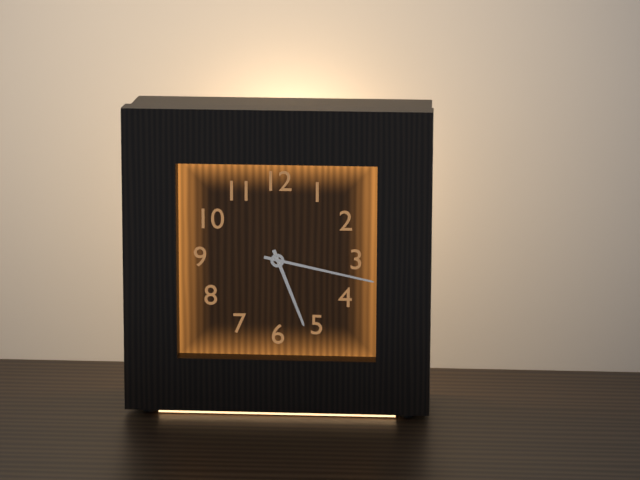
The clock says **5:17**
